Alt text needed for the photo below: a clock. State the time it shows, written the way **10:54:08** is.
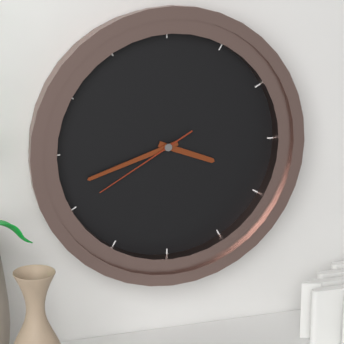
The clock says **3:42:40**
